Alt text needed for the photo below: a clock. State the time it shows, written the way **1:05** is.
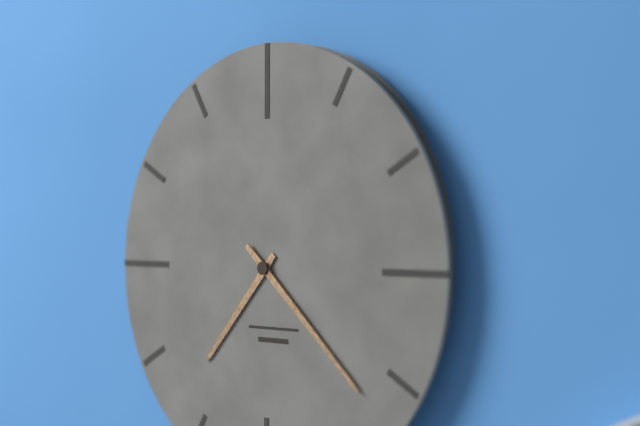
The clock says **7:22**
